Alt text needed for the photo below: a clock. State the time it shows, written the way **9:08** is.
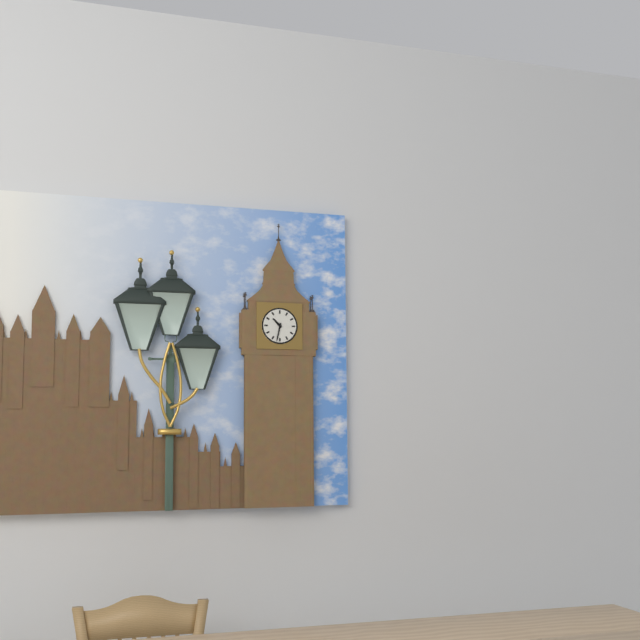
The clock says **10:32**
